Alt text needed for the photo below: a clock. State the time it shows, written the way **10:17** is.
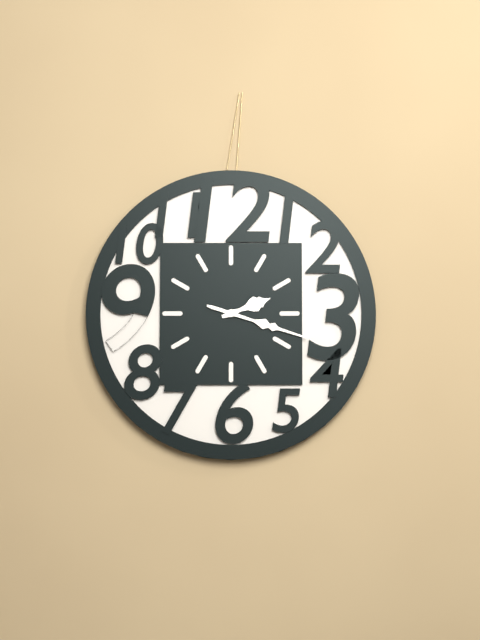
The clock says **2:18**
